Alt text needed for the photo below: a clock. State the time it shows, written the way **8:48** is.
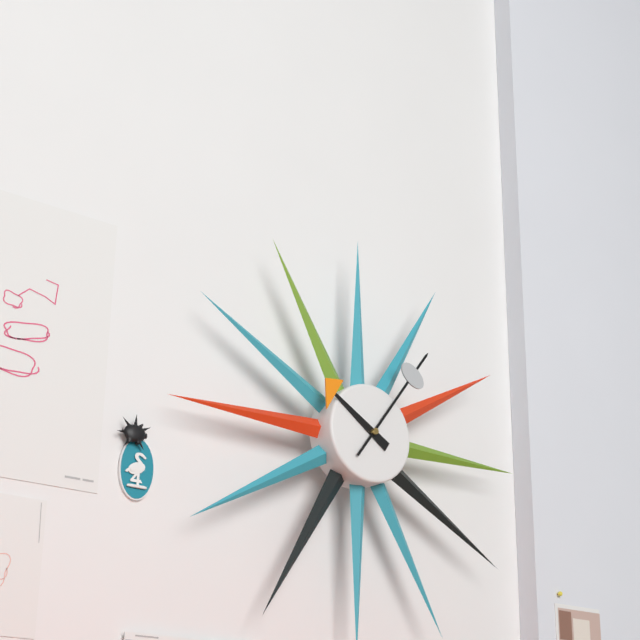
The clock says **10:06**
